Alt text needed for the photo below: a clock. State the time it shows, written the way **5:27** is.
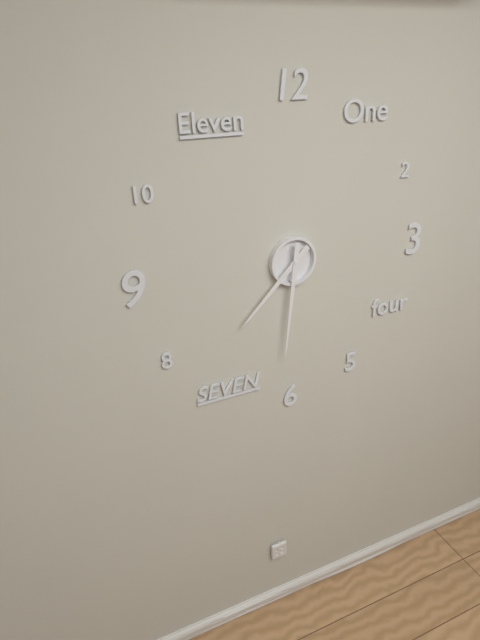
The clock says **7:31**
